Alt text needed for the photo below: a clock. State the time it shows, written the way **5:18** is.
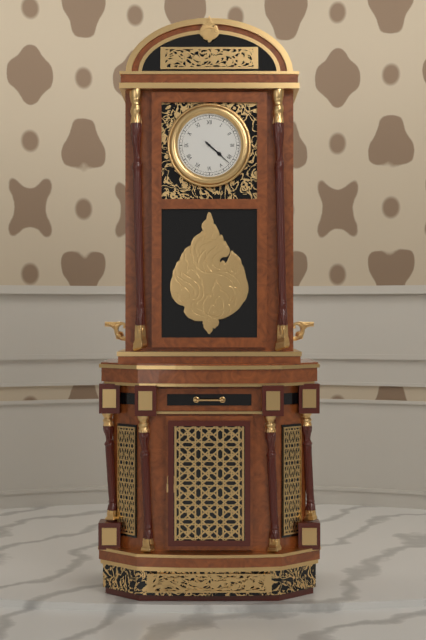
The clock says **4:22**
